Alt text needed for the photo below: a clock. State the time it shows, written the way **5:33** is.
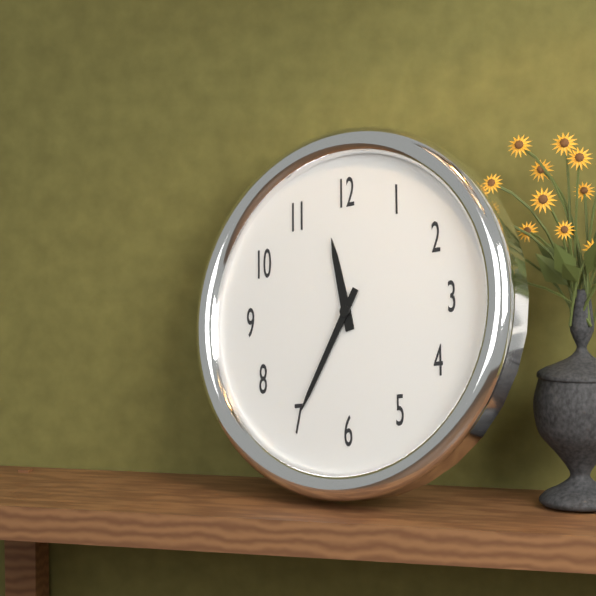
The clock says **11:35**
